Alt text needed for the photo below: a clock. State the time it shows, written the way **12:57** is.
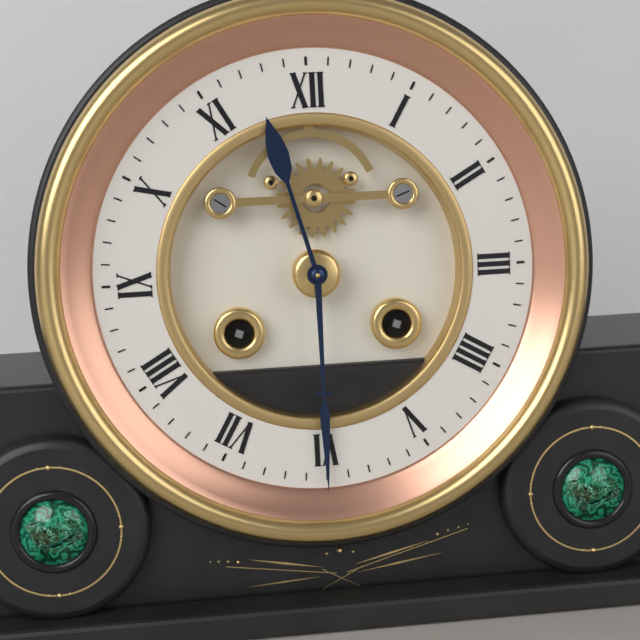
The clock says **11:30**
